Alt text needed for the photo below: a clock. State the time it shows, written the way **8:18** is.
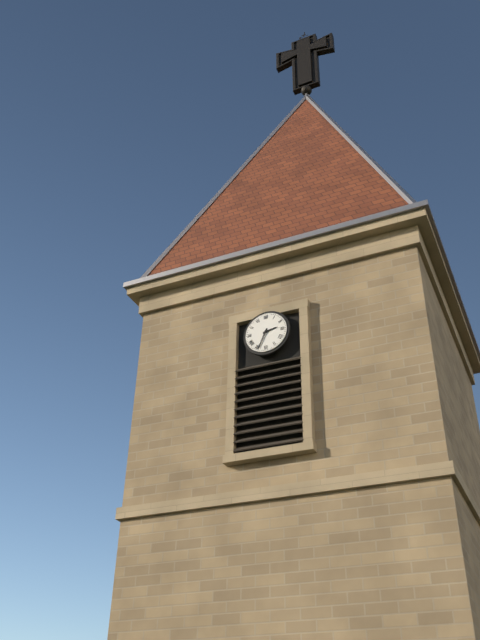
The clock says **2:34**
